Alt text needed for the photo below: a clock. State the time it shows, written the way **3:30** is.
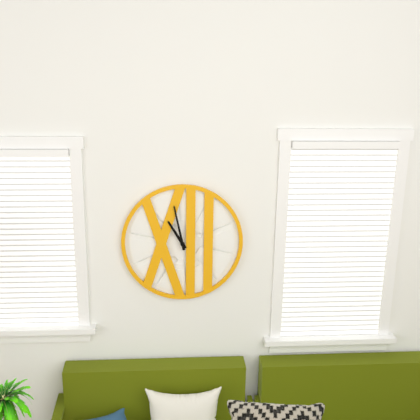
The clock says **10:58**
